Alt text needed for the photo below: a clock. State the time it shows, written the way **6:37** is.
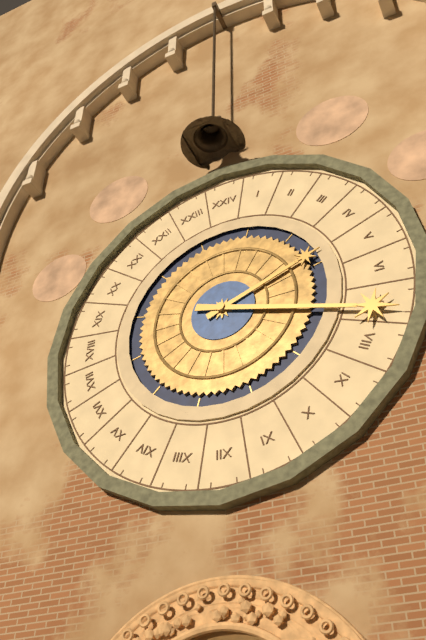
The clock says **2:18**
